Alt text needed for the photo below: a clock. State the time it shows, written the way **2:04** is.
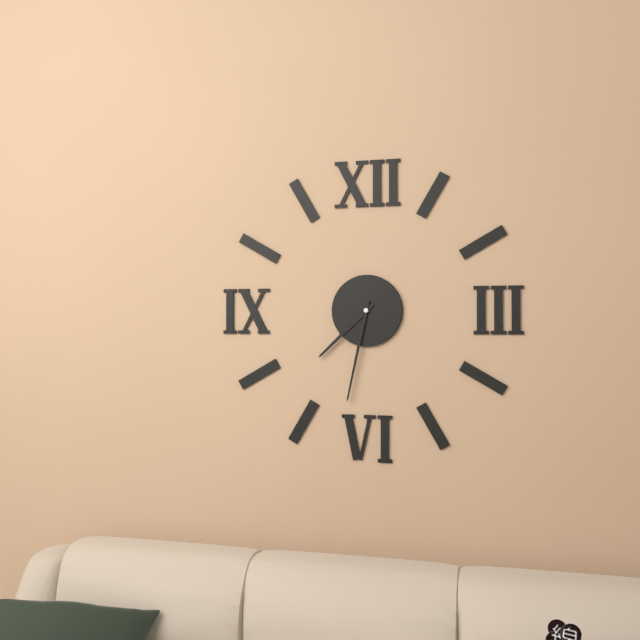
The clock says **7:32**
